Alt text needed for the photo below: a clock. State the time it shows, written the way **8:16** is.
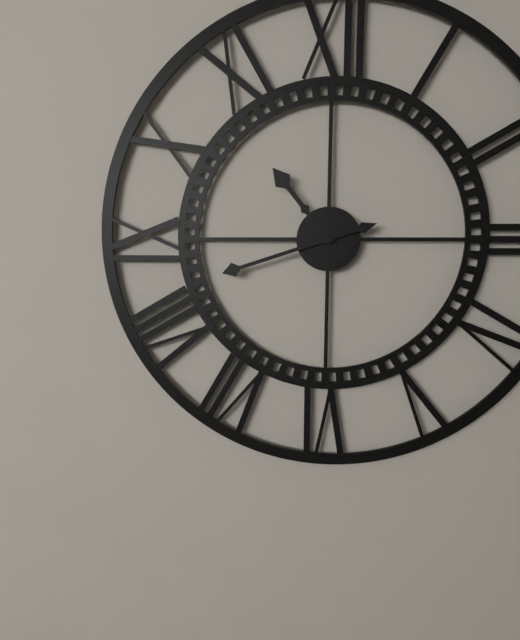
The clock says **10:42**
